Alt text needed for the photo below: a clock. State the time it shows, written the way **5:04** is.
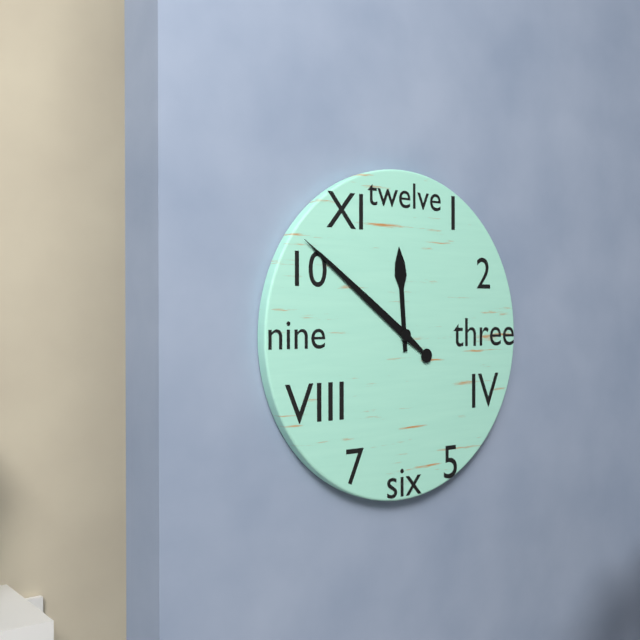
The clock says **11:51**
